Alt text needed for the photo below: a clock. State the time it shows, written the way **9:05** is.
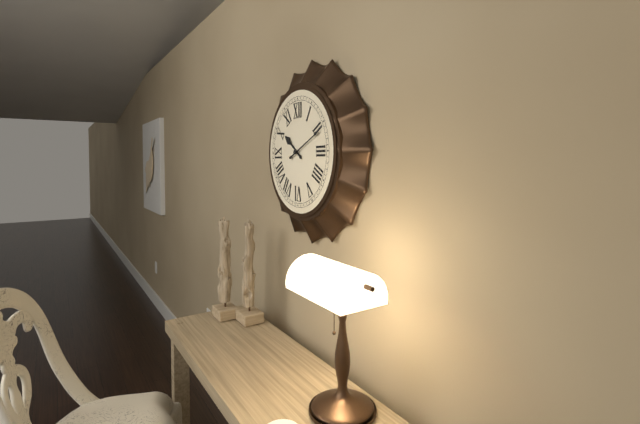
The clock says **10:11**
